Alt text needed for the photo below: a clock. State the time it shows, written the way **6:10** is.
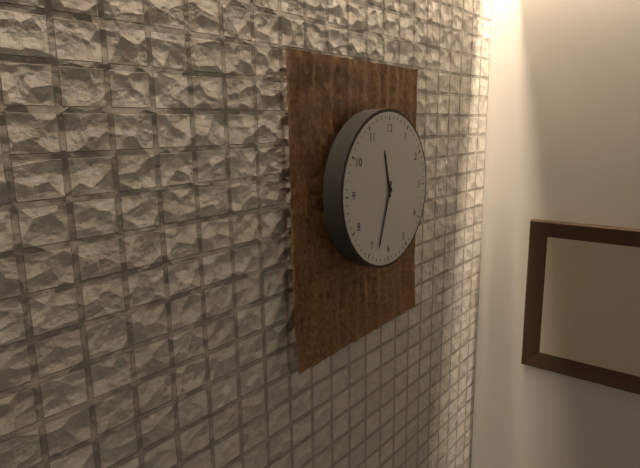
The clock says **11:33**
